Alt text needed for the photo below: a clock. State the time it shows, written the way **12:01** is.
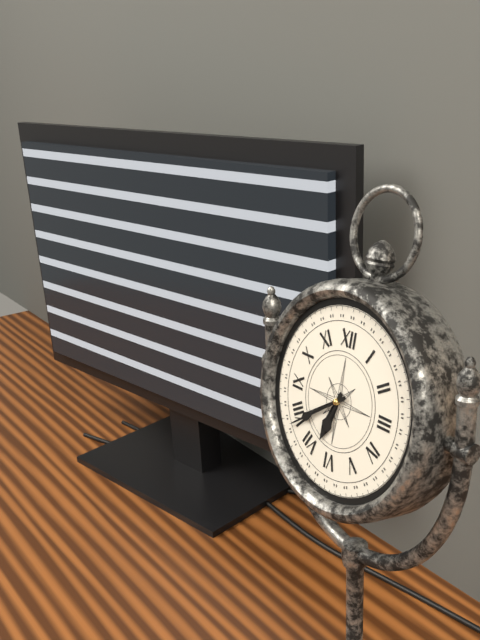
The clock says **6:39**
